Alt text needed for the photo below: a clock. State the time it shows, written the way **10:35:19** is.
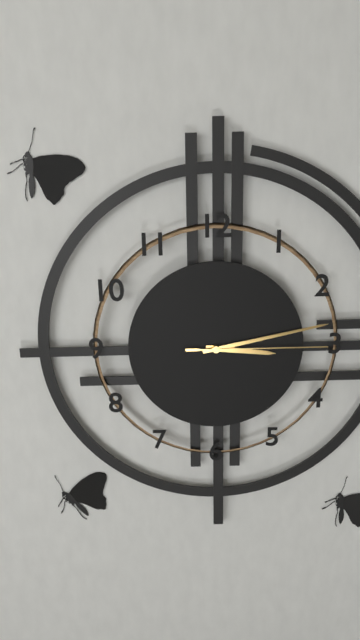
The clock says **3:13:15**
